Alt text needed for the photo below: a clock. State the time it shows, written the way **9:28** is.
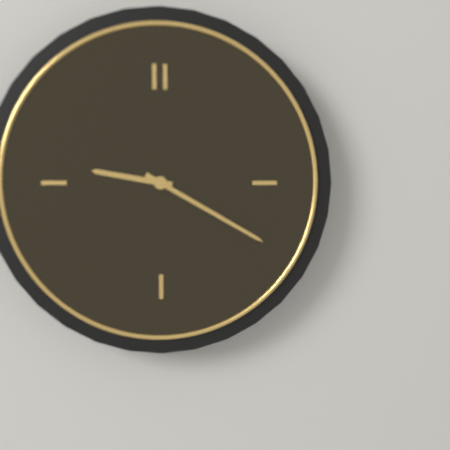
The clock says **9:20**
